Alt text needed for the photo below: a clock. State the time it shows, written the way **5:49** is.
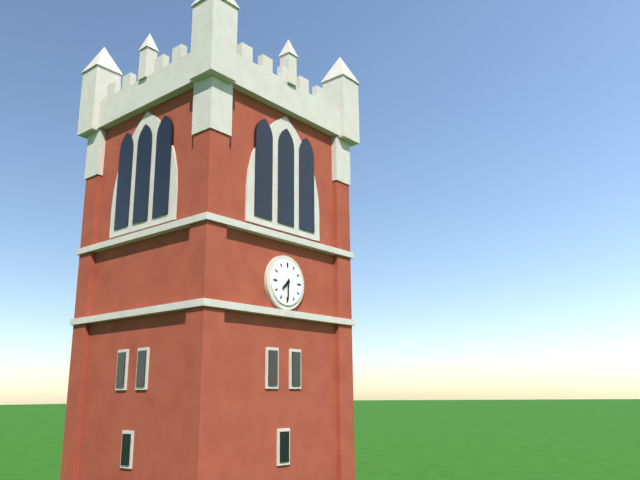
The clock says **7:30**
